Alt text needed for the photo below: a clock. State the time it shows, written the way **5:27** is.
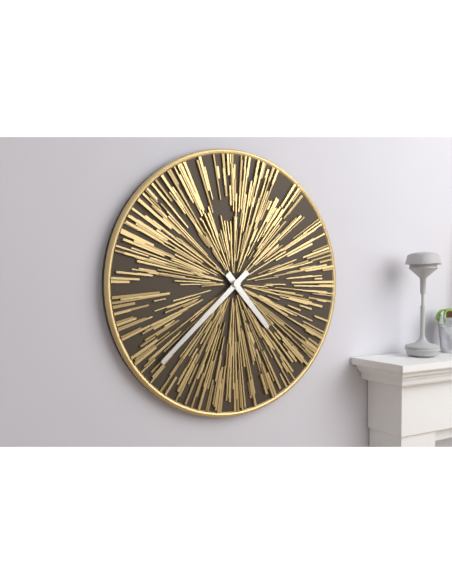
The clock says **4:38**
